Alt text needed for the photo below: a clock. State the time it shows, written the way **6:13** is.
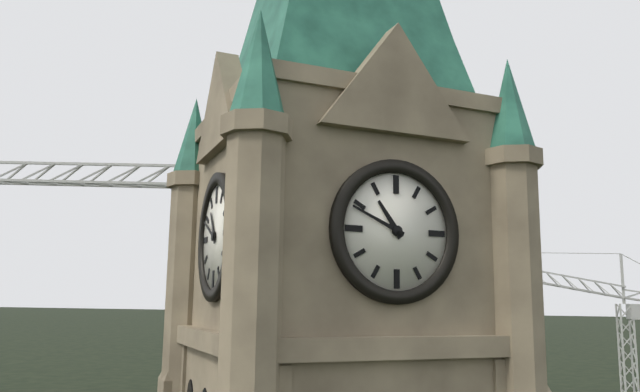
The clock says **10:49**
